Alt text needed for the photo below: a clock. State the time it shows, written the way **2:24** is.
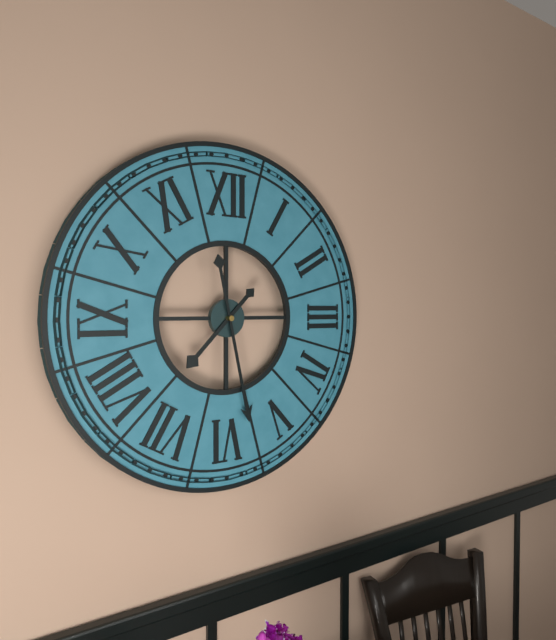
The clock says **7:28**
